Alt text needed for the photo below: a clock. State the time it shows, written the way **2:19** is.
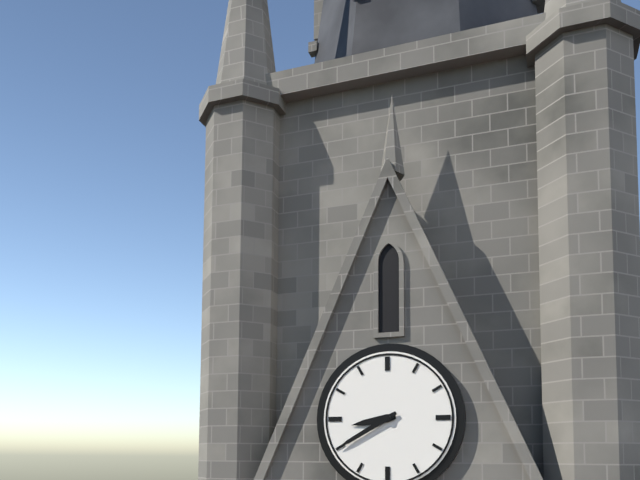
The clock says **8:40**
